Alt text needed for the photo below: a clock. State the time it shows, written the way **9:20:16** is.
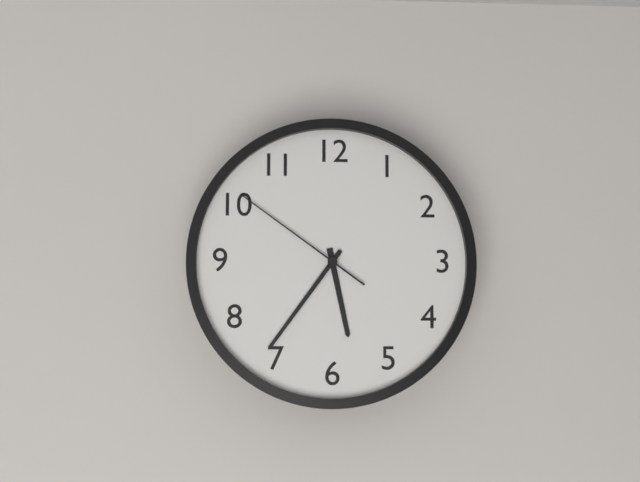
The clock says **5:36:51**
